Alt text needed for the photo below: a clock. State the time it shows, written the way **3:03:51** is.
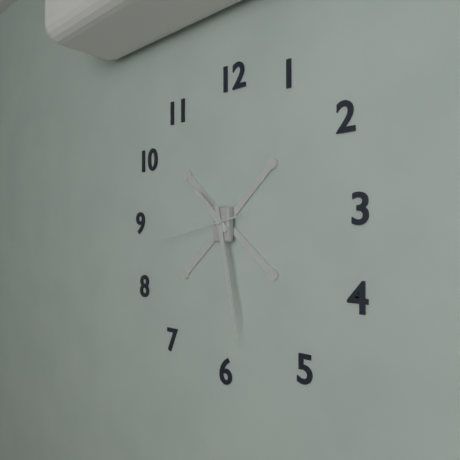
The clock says **10:28:43**
